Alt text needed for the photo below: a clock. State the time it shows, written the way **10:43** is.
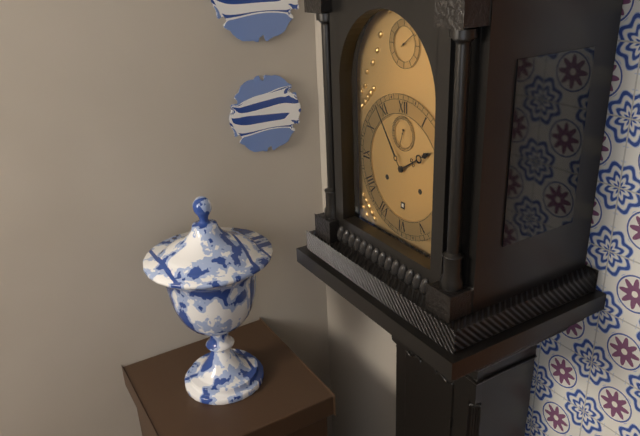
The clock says **1:54**
